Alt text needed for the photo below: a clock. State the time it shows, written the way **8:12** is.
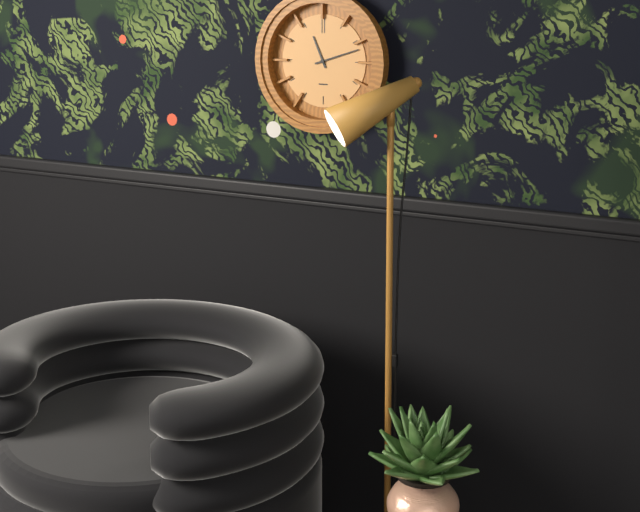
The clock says **11:12**
